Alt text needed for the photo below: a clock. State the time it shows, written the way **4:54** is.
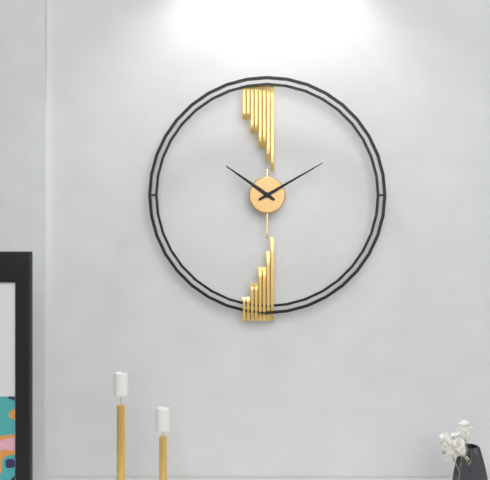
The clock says **10:10**
